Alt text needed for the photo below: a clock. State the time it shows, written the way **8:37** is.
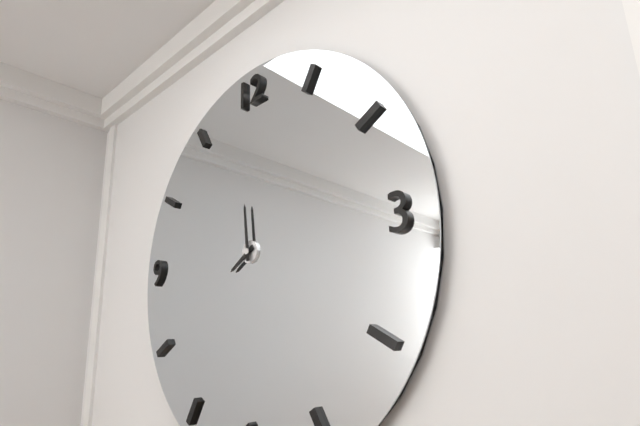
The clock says **7:59**
